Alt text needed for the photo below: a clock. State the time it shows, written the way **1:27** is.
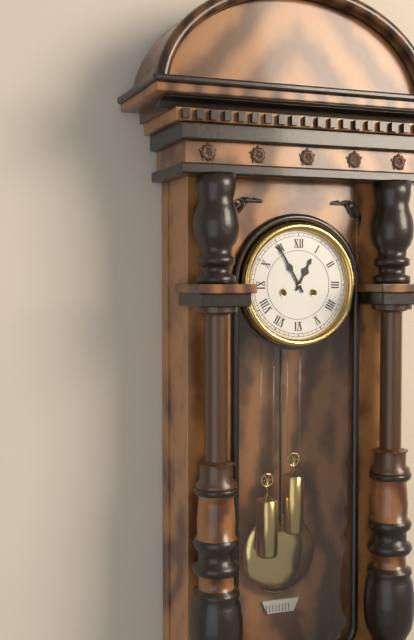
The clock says **12:55**
